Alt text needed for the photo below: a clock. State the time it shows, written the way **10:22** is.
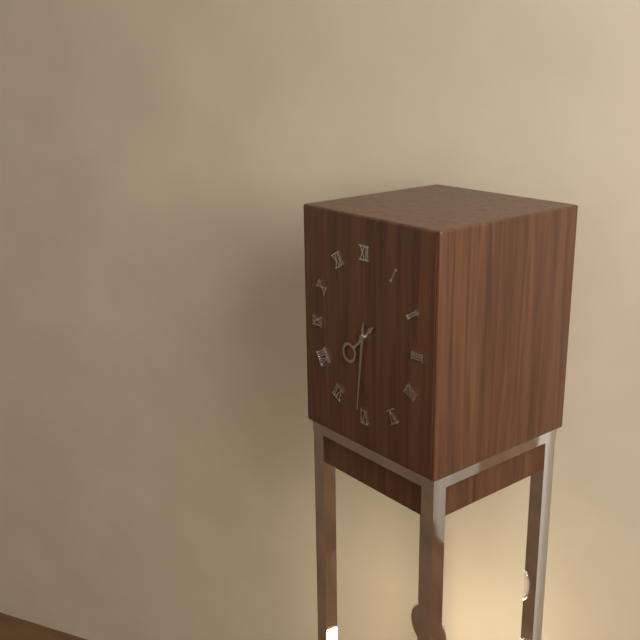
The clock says **7:31**
